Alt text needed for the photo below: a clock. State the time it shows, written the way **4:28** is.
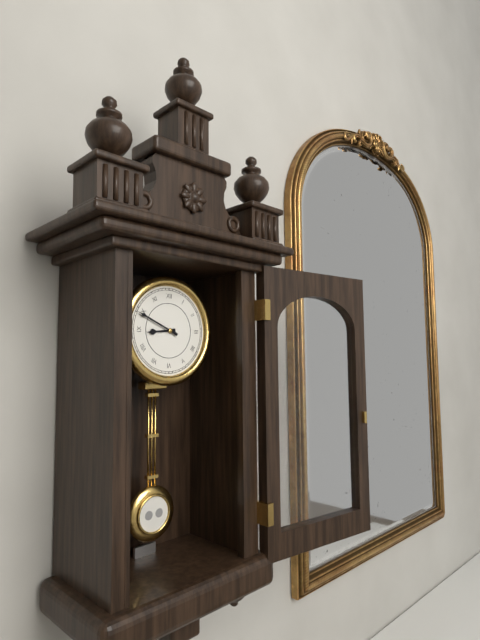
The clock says **8:49**
